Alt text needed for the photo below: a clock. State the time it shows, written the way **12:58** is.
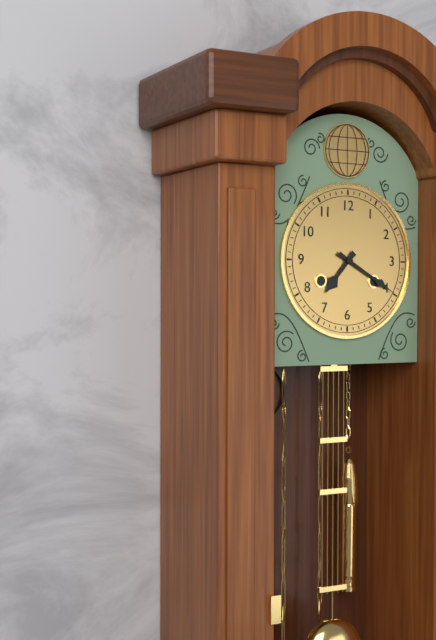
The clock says **7:20**
